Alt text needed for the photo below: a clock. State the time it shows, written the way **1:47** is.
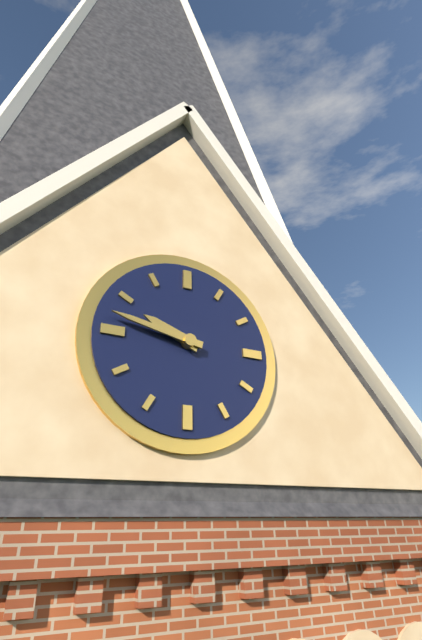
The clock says **9:47**
